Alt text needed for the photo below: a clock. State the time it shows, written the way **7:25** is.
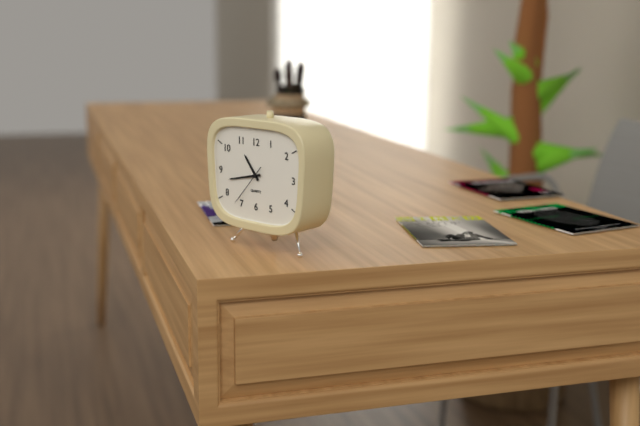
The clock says **10:43**
